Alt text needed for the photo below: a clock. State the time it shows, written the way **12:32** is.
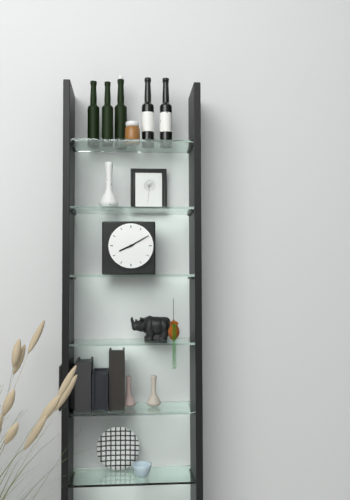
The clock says **8:10**
